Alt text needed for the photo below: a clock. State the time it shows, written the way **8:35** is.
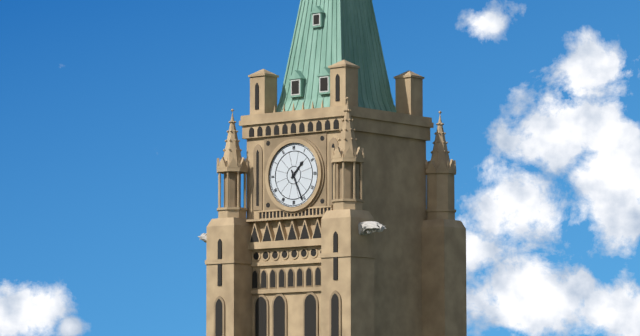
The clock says **1:26**
